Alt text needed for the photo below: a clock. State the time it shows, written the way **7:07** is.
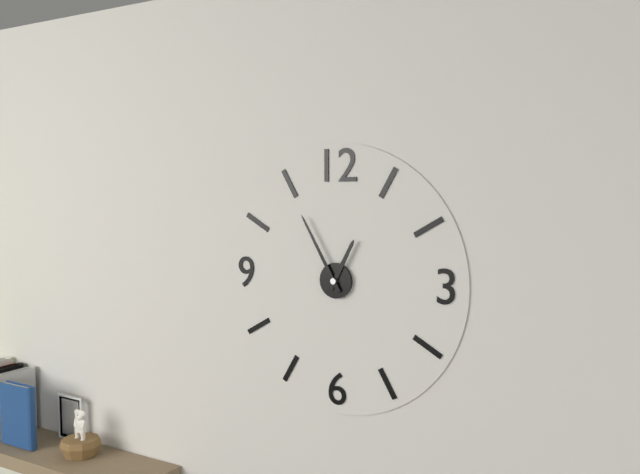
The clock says **12:55**
